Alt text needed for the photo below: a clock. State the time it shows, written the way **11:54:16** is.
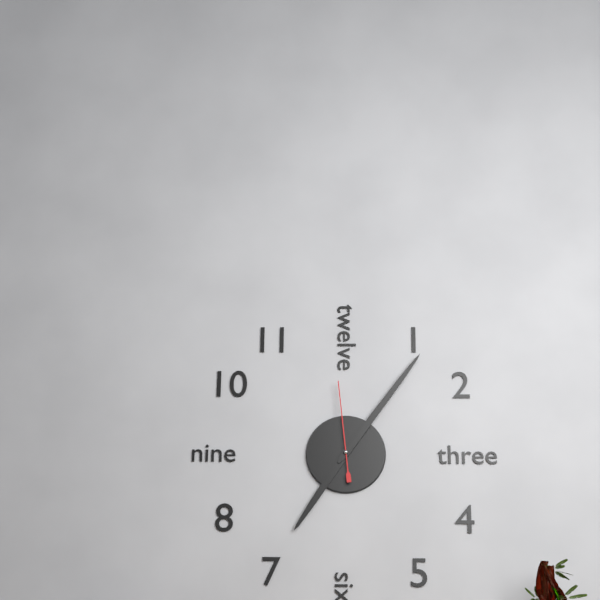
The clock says **7:06:59**
